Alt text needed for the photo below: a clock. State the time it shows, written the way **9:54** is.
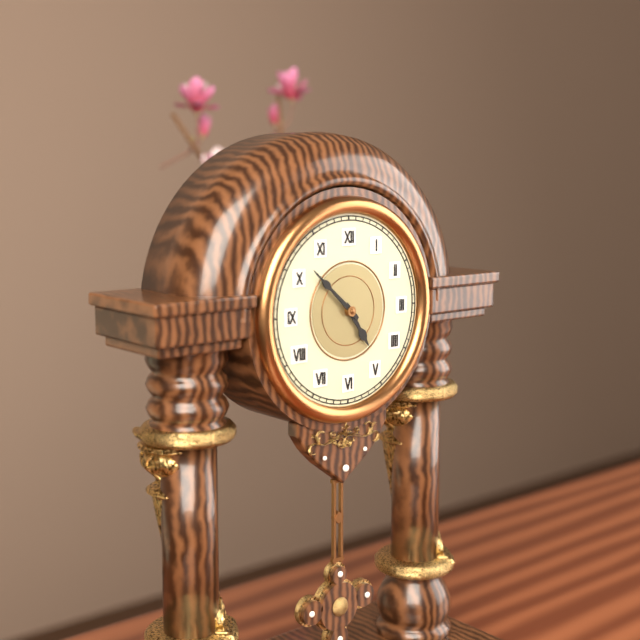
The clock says **4:52**
